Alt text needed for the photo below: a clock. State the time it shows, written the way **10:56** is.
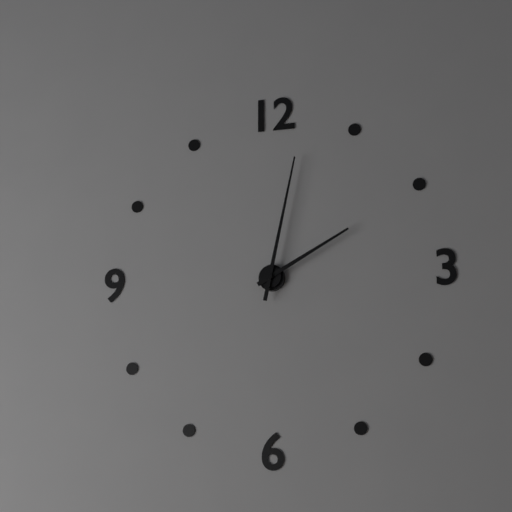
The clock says **2:02**
